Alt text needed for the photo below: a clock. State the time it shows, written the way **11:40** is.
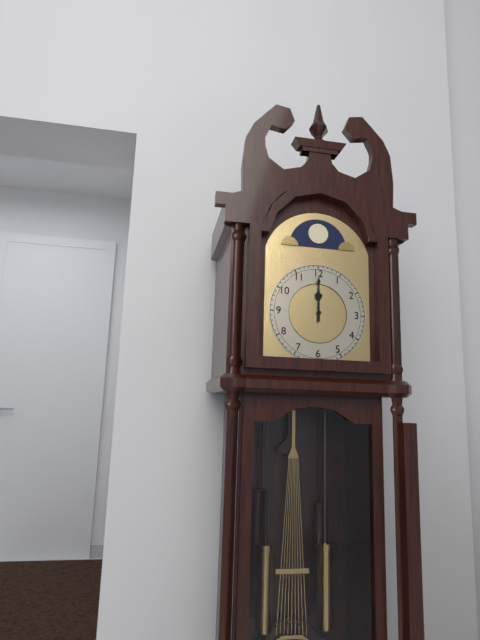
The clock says **12:00**
